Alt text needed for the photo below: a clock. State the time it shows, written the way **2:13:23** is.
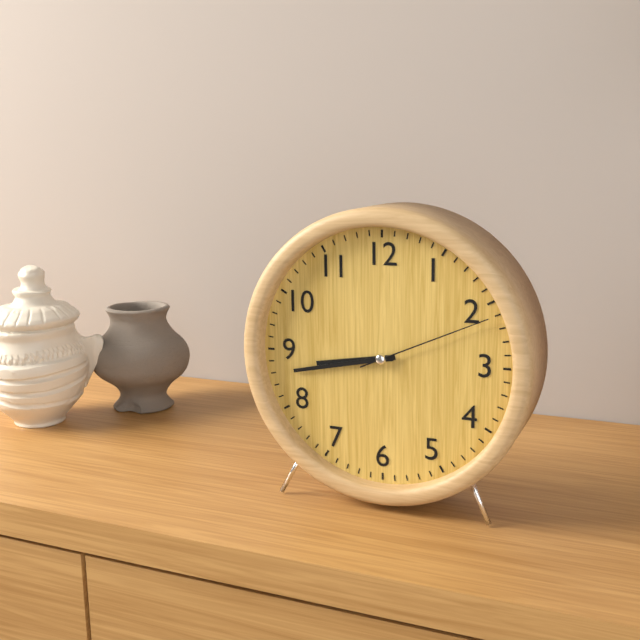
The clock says **8:43:11**
